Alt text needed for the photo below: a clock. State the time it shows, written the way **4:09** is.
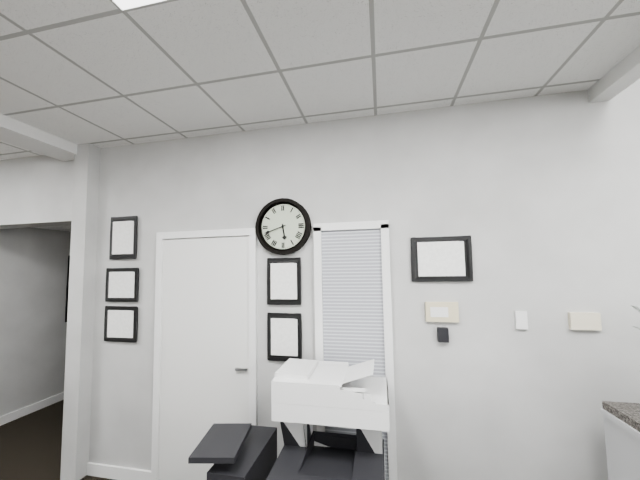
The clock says **5:42**
